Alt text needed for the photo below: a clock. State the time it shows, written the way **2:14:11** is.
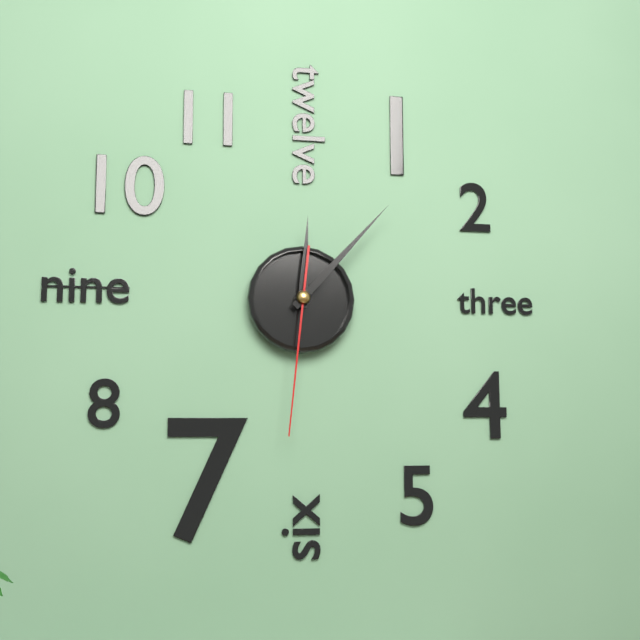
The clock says **12:07:31**
